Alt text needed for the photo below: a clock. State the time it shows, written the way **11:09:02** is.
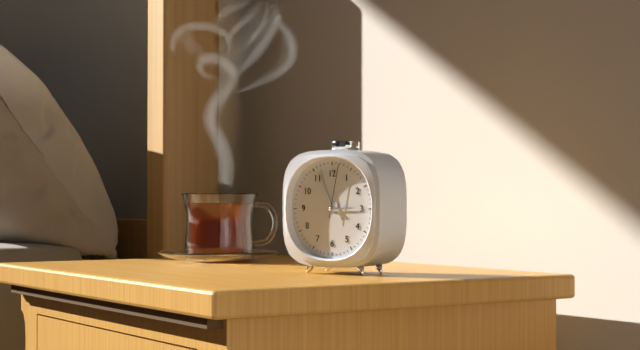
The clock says **2:57:02**
